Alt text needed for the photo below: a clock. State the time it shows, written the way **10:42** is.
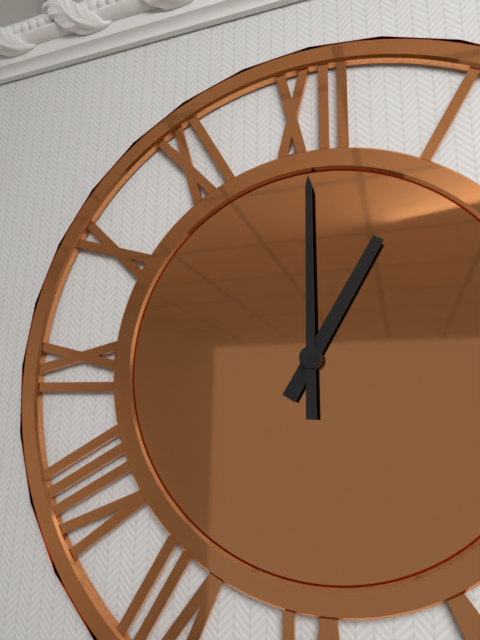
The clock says **1:00**
